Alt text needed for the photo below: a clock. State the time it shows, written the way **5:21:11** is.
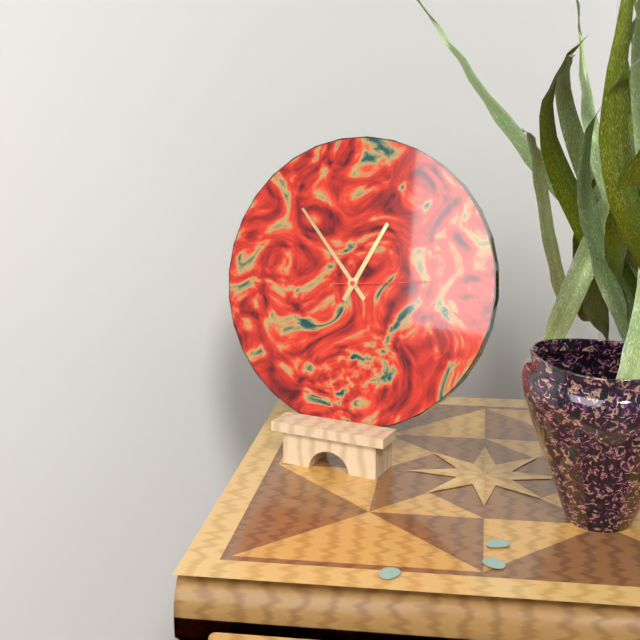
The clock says **12:53:14**
